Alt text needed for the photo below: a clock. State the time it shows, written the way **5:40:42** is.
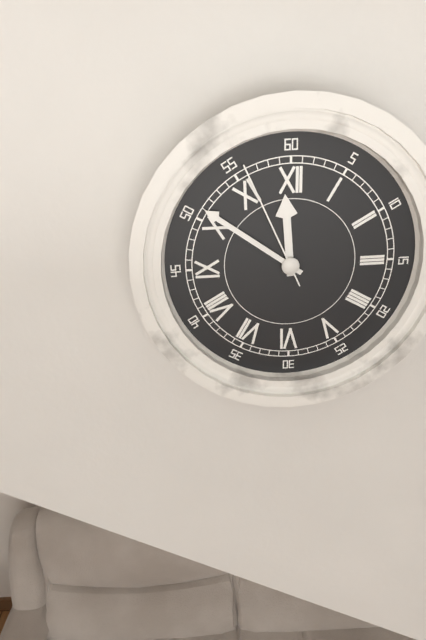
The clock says **11:51:56**
